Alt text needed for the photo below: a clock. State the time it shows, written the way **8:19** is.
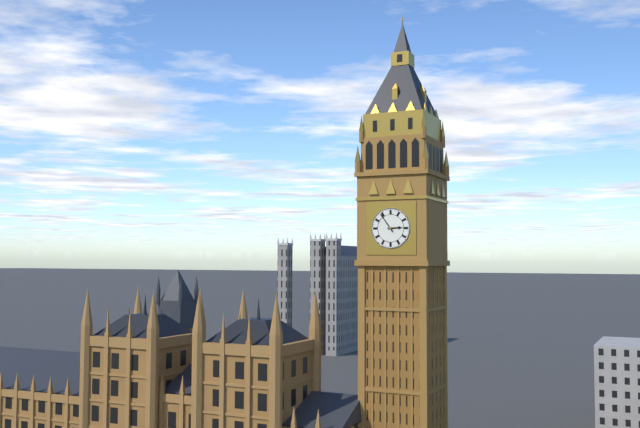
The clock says **2:54**
